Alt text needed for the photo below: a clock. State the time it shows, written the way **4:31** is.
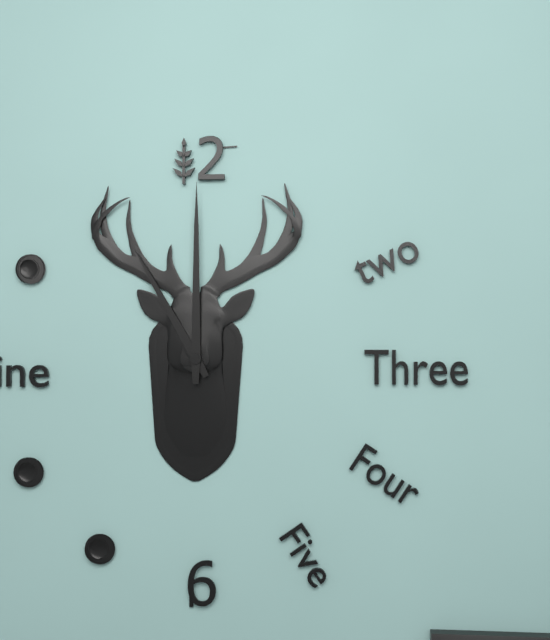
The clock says **11:00**
